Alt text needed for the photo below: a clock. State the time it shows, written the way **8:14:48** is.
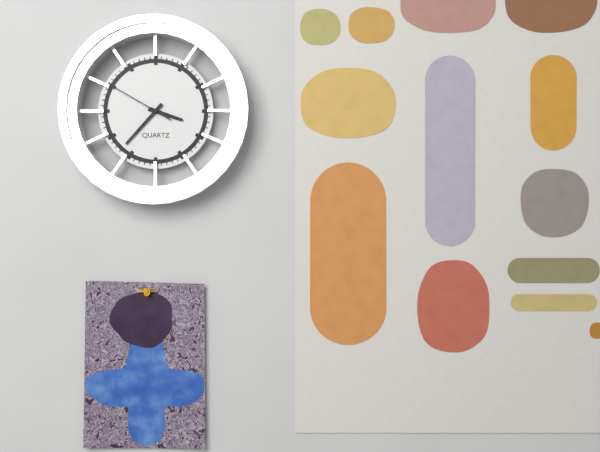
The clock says **3:37:50**
